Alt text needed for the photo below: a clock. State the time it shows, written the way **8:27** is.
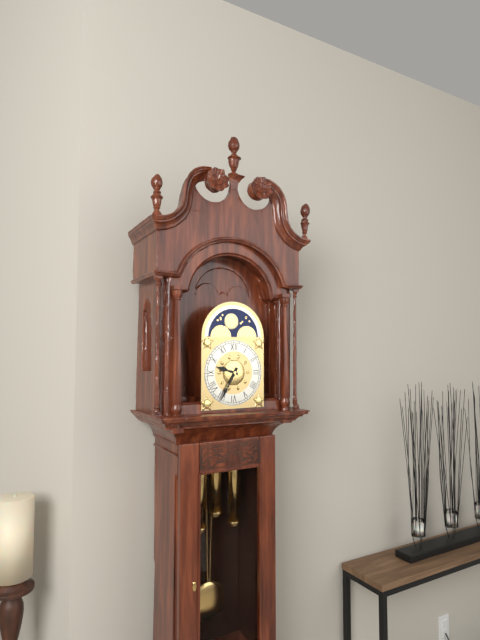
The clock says **9:35**
